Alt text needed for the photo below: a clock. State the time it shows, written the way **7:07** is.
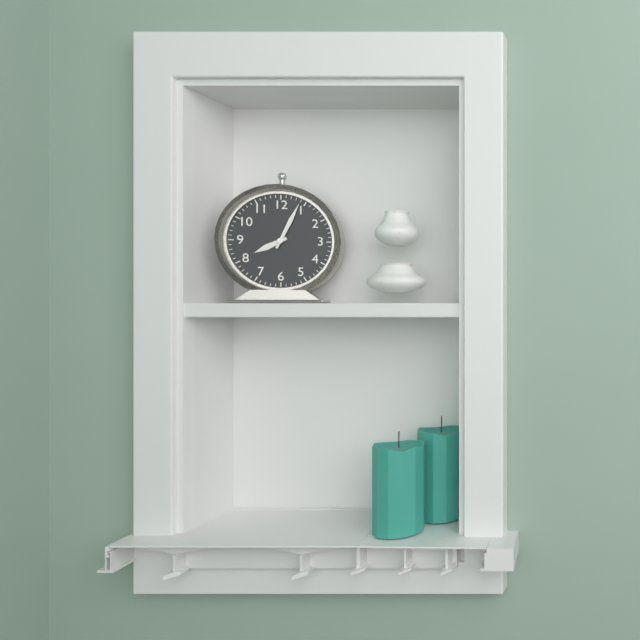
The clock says **8:04**
